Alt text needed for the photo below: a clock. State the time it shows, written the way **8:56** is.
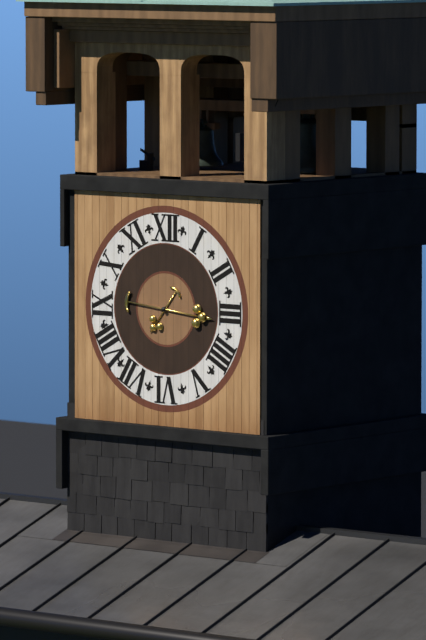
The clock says **7:16**
